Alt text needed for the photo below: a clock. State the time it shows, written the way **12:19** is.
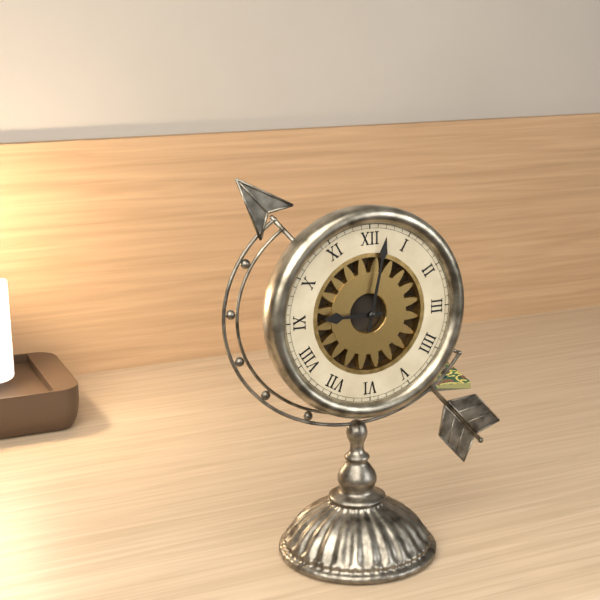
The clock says **9:02**
